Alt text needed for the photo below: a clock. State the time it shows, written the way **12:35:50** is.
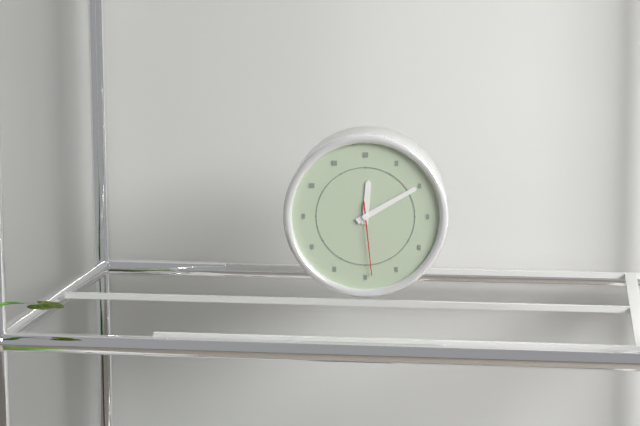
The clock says **12:10:29**
